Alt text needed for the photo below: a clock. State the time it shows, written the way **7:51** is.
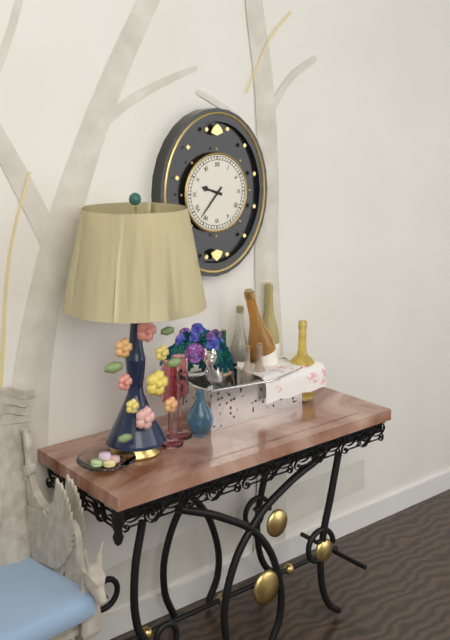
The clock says **9:37**
